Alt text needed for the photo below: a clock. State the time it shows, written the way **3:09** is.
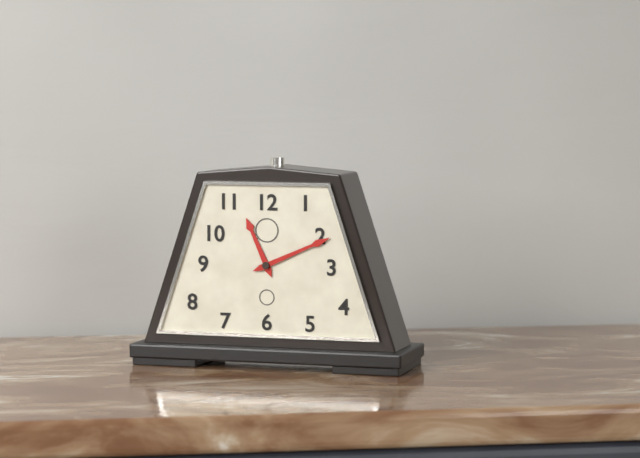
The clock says **11:11**
